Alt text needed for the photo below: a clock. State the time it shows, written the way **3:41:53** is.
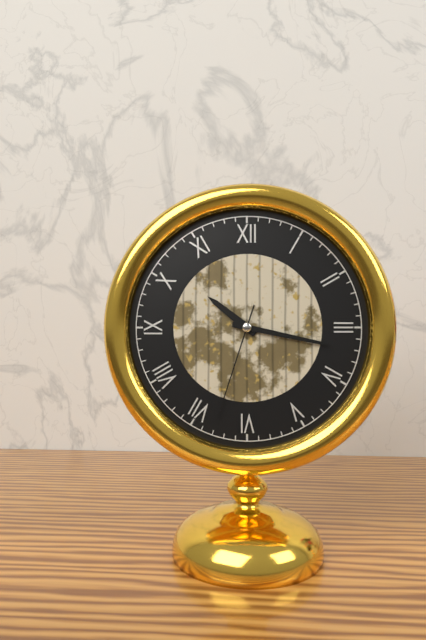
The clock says **10:17:33**
